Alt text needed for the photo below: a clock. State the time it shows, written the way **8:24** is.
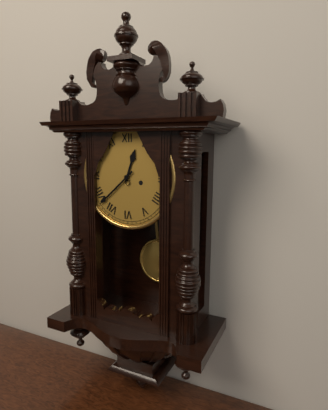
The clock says **12:38**
